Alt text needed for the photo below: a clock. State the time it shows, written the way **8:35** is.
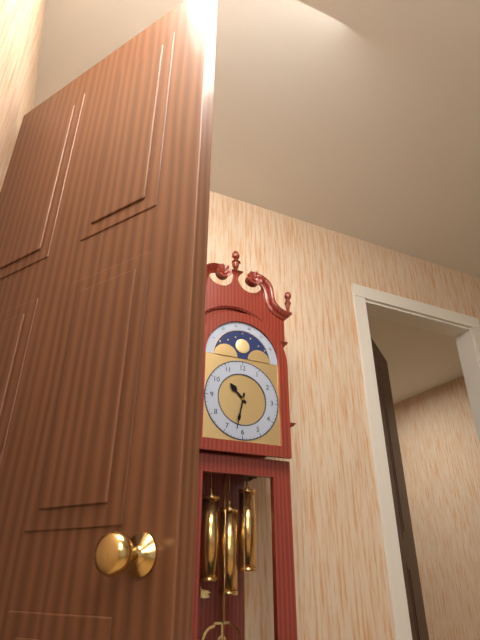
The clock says **10:32**
